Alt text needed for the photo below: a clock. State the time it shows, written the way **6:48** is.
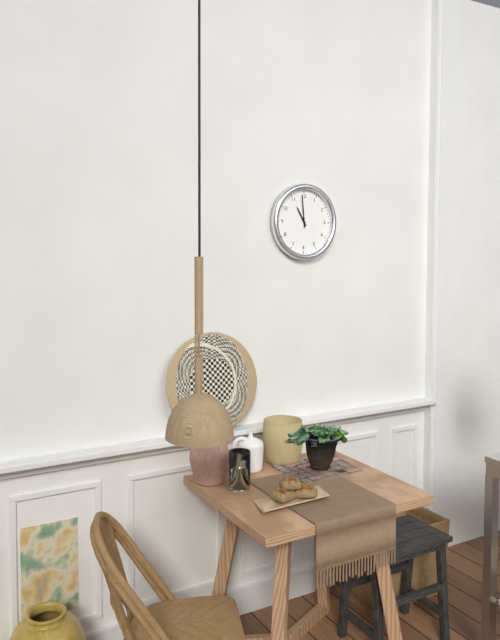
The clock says **10:59**
